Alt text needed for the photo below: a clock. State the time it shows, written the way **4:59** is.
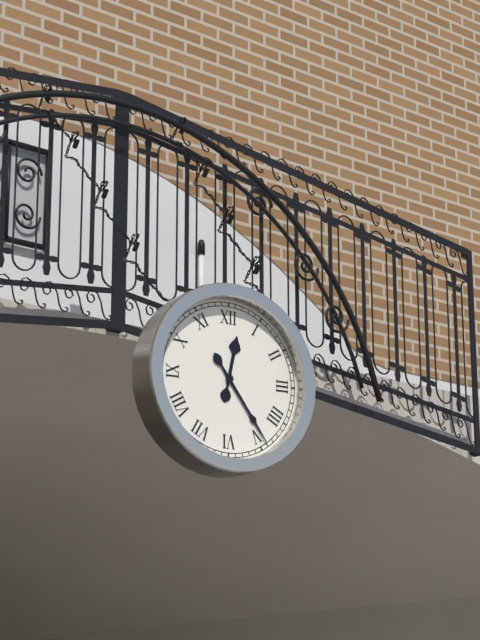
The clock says **12:24**
